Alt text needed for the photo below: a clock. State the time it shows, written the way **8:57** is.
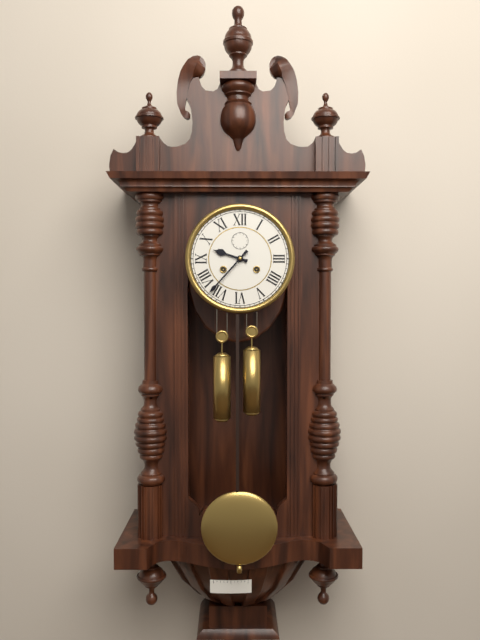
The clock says **9:37**
